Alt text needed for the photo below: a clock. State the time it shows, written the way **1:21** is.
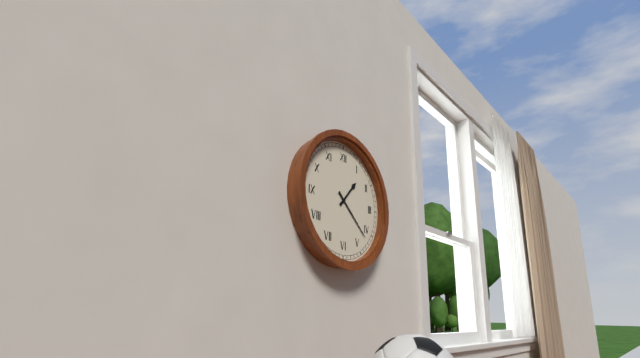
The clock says **1:22**
